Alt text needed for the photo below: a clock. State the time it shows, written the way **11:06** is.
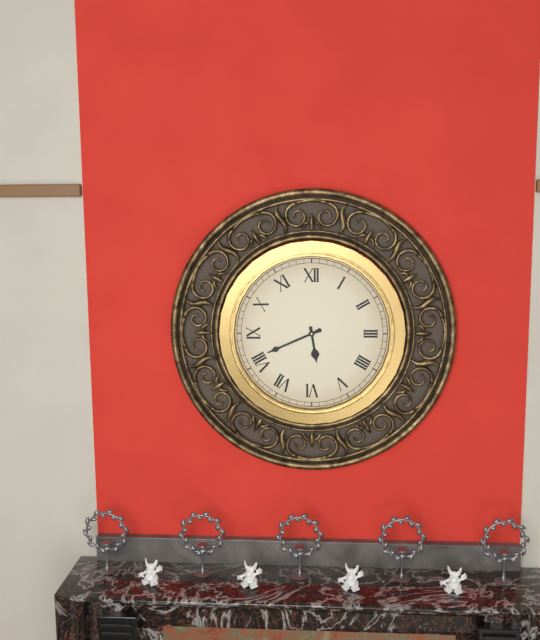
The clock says **5:41**
